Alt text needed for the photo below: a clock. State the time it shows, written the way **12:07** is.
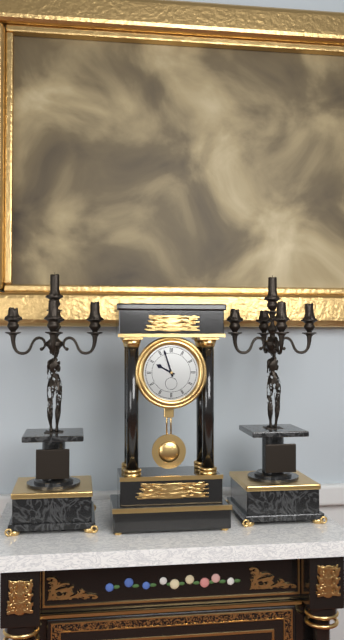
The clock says **9:57**
